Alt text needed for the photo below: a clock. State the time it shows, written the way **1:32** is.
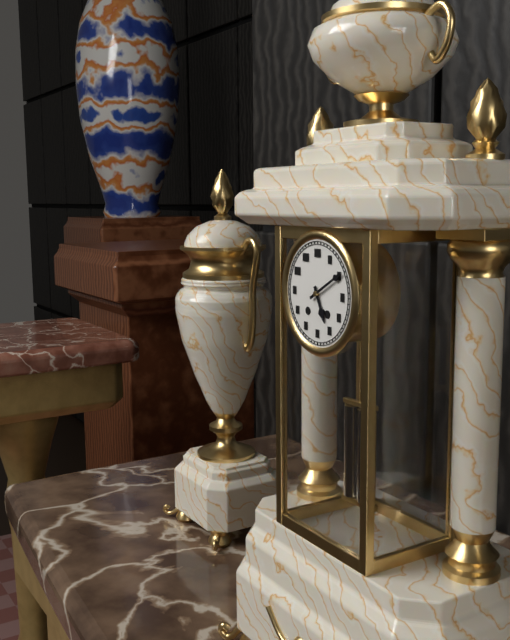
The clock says **5:10**
